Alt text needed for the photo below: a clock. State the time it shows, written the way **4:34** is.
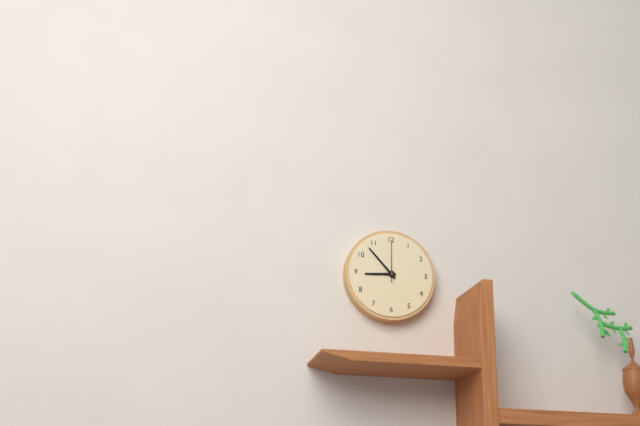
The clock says **8:53**
